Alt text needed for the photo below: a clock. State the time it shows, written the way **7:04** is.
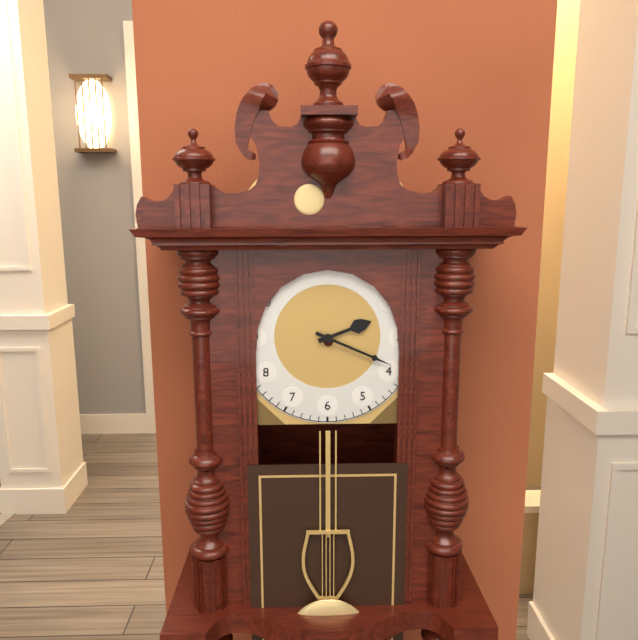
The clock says **2:19**
